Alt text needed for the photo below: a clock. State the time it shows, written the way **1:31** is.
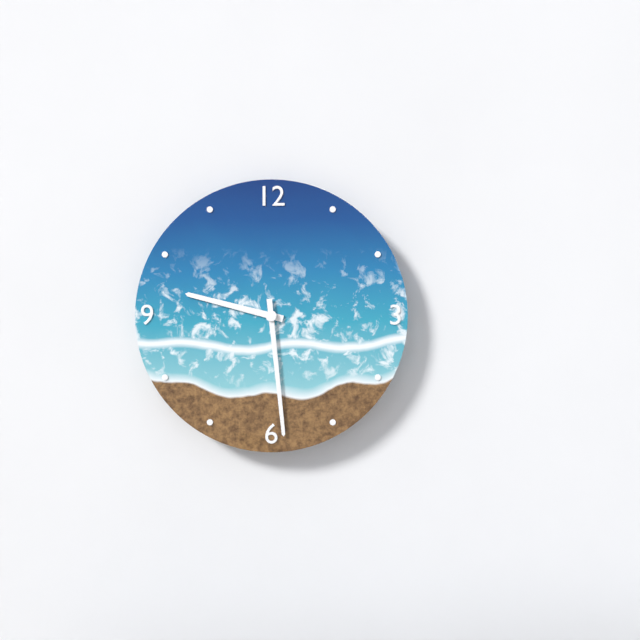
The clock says **9:29**
